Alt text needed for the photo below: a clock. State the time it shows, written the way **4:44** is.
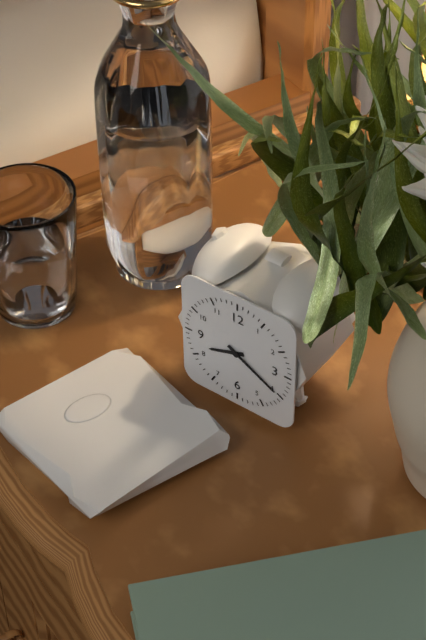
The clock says **8:20**
